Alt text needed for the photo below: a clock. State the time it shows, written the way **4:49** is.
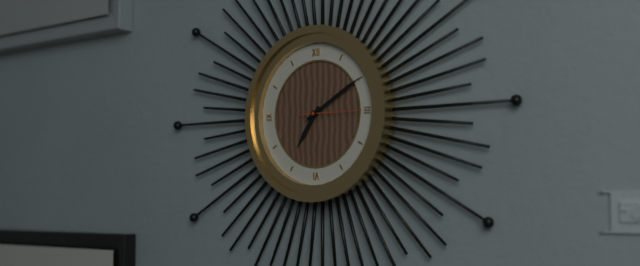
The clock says **7:10**
